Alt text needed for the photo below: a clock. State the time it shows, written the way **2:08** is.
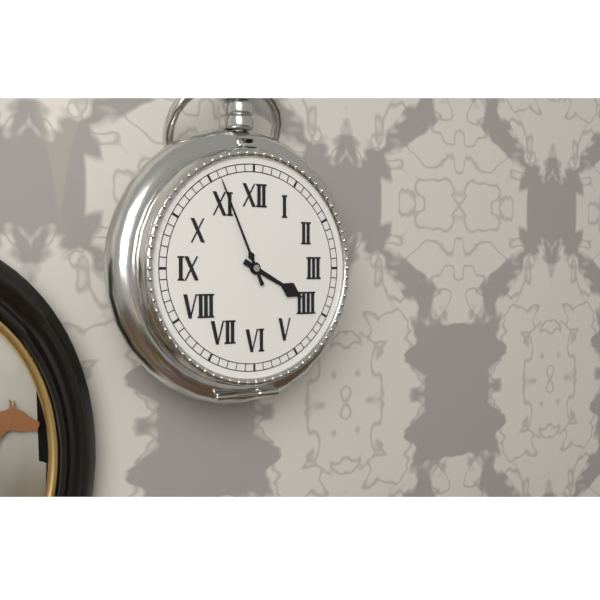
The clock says **3:56**
